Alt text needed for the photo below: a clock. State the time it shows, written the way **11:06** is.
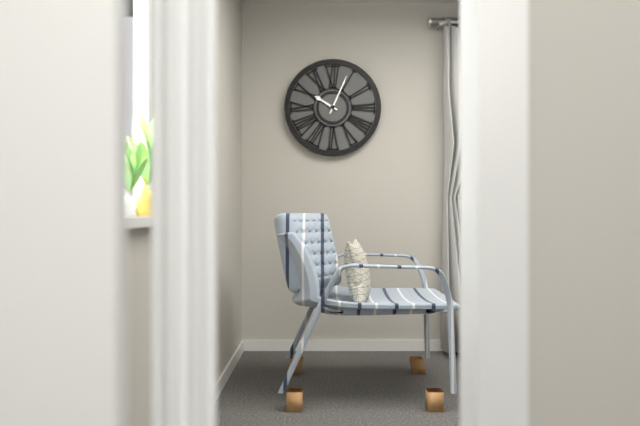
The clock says **10:04**
